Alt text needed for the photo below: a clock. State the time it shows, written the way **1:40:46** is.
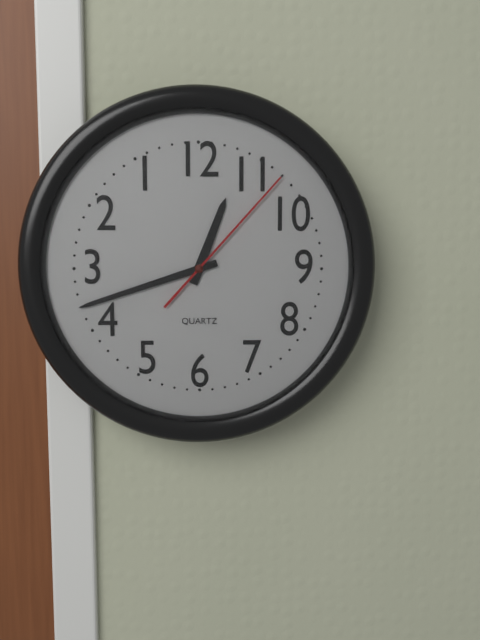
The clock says **12:42:07**
